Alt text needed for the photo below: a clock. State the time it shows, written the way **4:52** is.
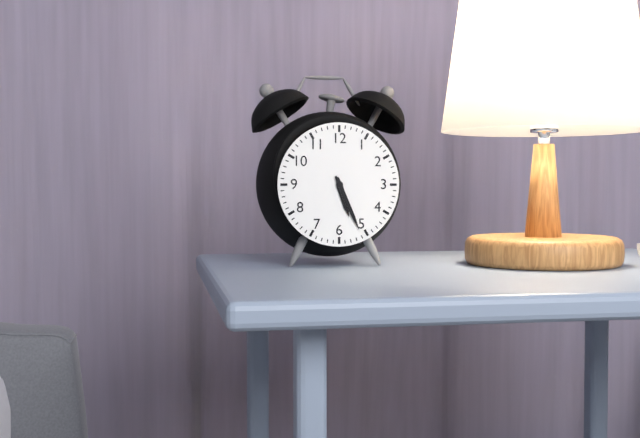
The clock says **5:26**
